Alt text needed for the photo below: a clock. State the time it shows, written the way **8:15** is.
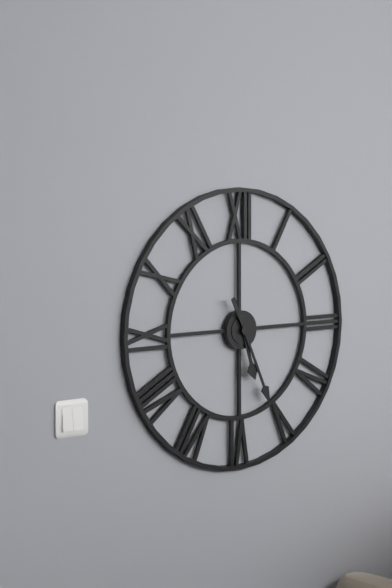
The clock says **5:26**
